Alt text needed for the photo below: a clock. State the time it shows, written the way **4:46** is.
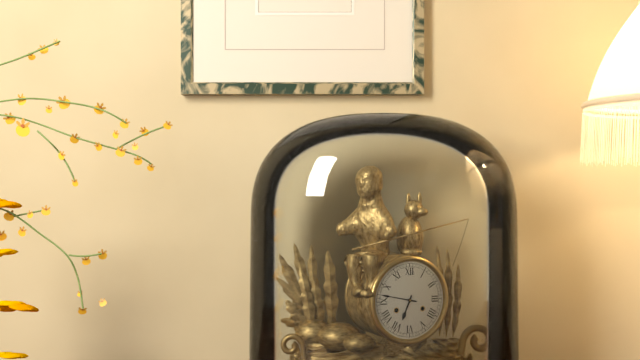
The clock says **6:47**
